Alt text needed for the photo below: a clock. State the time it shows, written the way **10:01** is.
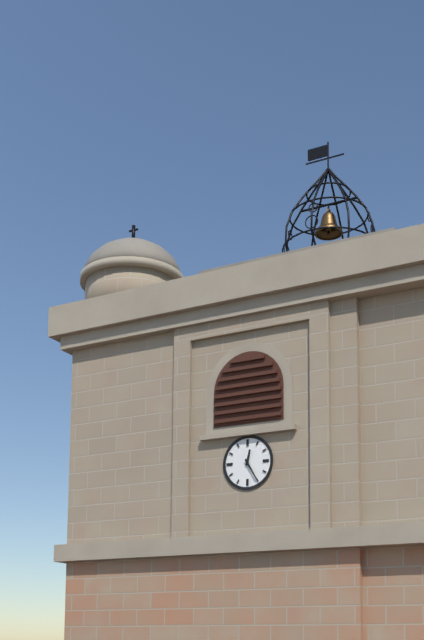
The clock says **12:25**
